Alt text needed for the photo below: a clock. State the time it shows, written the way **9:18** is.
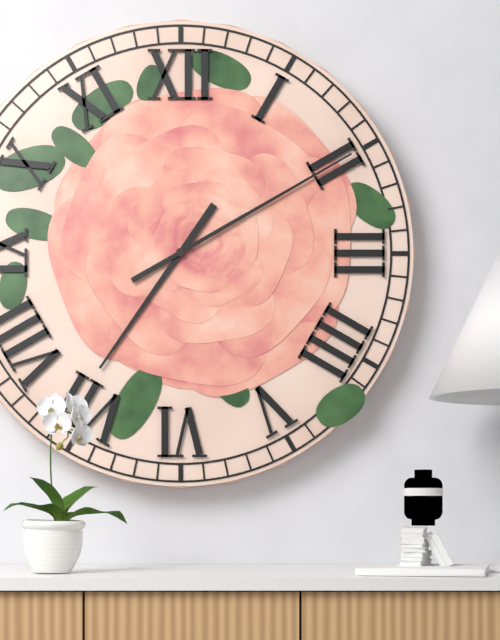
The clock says **7:10**
